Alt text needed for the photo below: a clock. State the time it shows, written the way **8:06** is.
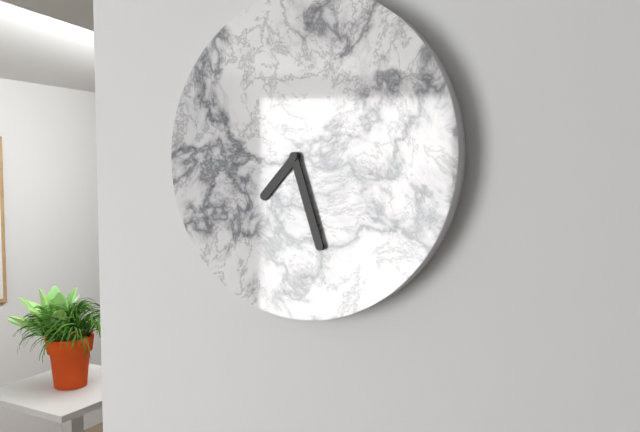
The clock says **7:27**
